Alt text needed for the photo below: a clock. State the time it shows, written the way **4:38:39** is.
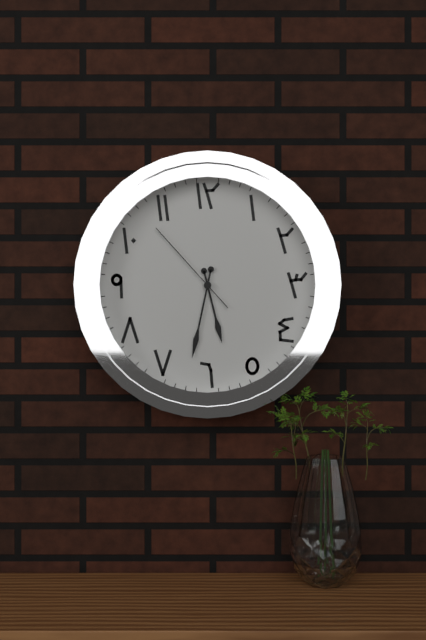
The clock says **5:32:53**
